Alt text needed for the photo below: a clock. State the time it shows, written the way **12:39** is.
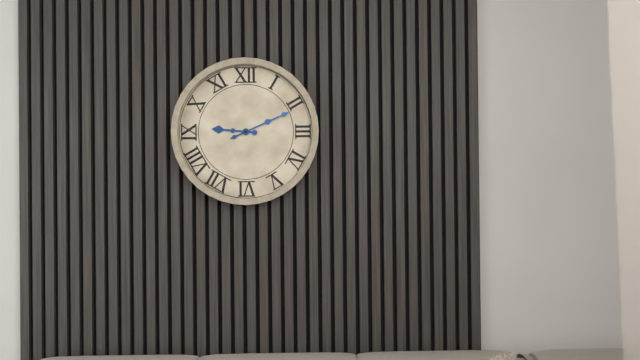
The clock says **9:11**
